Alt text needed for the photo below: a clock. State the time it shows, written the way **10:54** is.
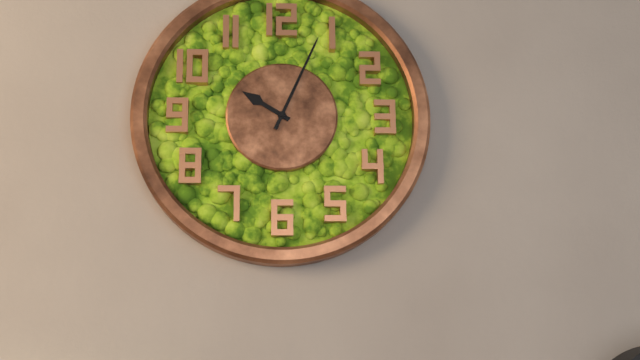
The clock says **10:04**
